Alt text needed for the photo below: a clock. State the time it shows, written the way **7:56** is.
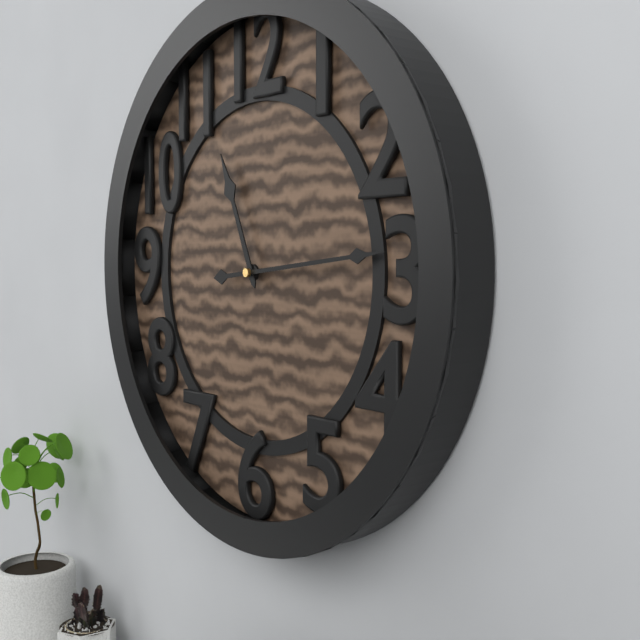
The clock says **11:14**
